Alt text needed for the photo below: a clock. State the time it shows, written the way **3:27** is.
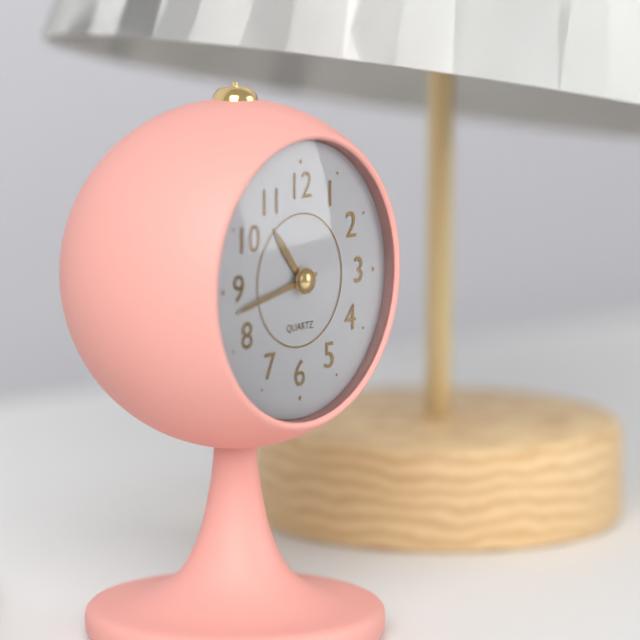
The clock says **10:43**
